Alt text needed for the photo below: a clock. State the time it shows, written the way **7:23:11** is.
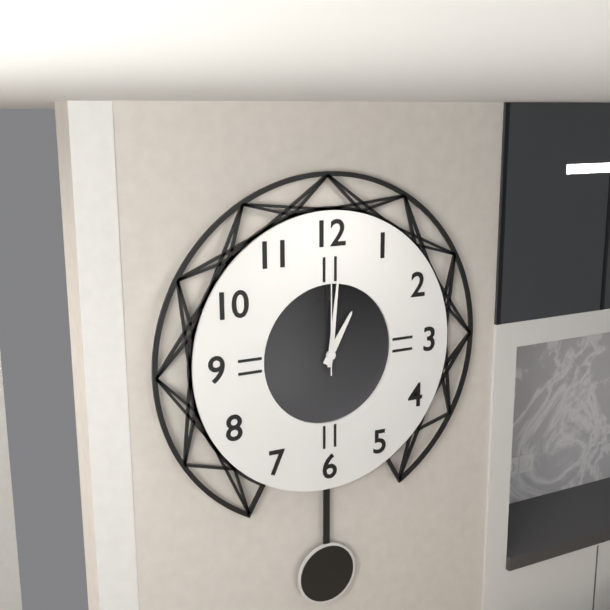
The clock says **1:01:00**
